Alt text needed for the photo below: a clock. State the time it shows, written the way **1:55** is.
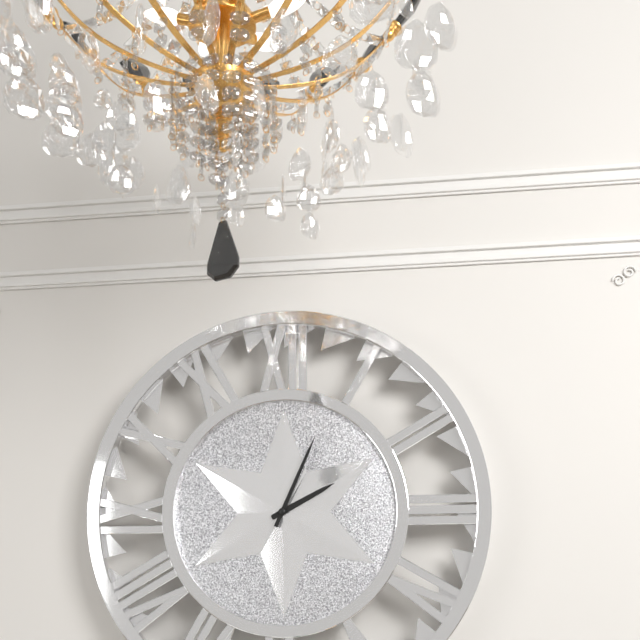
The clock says **2:04**
